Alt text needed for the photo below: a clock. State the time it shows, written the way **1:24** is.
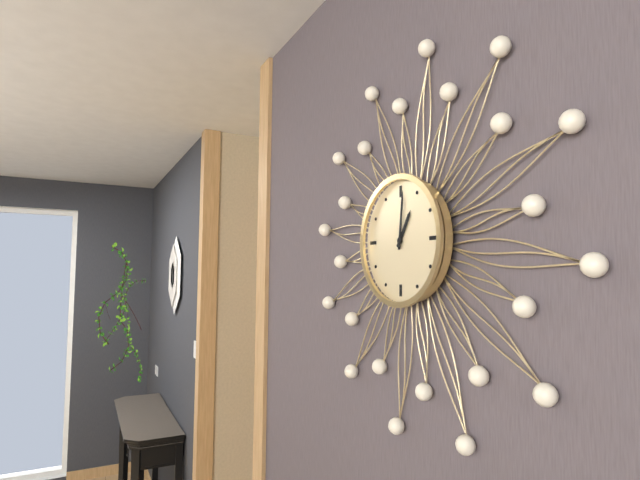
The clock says **1:01**
